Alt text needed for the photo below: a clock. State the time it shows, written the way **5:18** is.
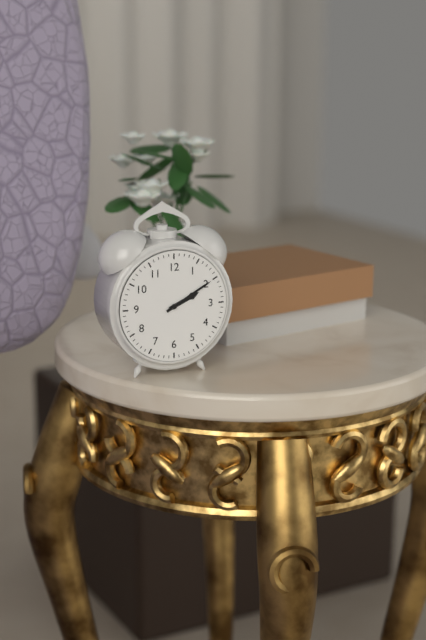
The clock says **2:10**
